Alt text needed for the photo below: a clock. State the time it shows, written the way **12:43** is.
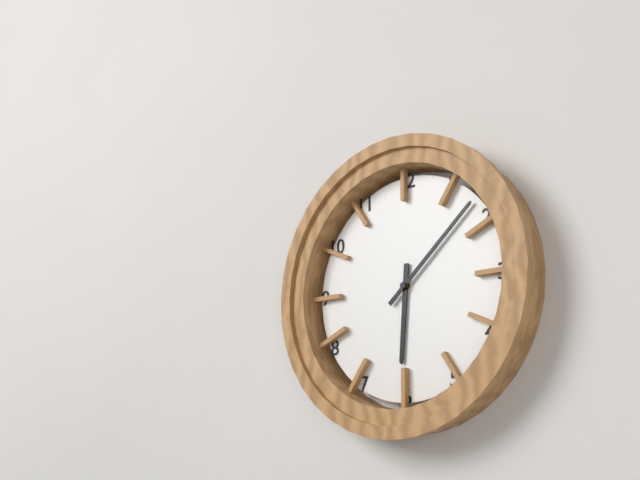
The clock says **6:08**
